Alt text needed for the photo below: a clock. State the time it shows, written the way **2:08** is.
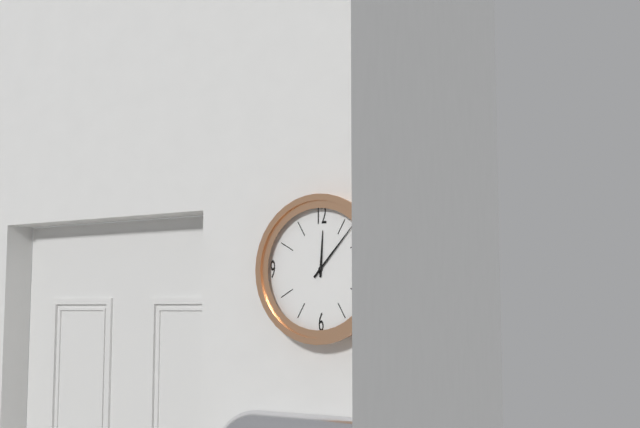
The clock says **12:07**
